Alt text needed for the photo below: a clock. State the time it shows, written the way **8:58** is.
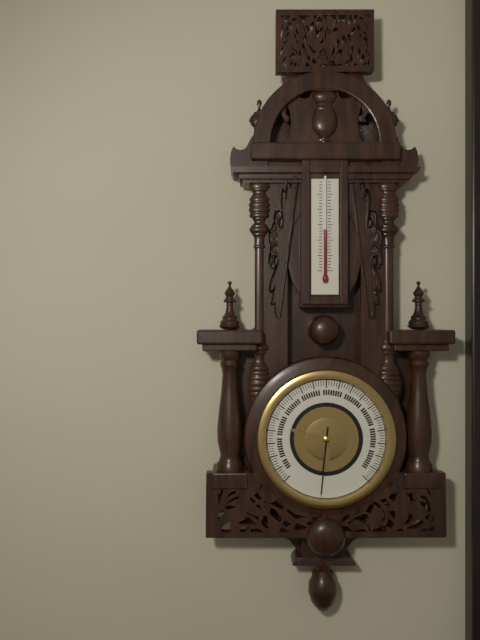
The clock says **9:31**
